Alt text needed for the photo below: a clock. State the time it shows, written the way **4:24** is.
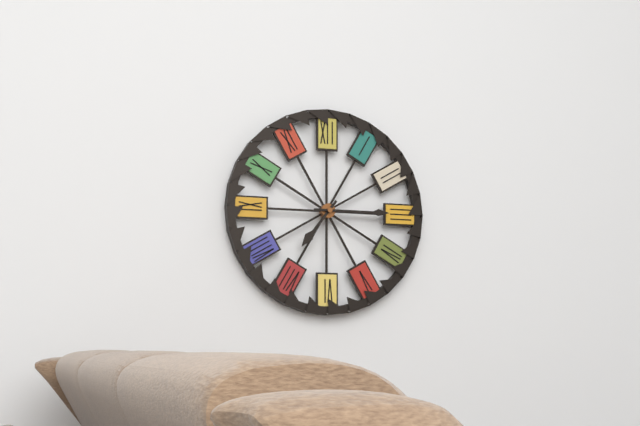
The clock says **7:15**
